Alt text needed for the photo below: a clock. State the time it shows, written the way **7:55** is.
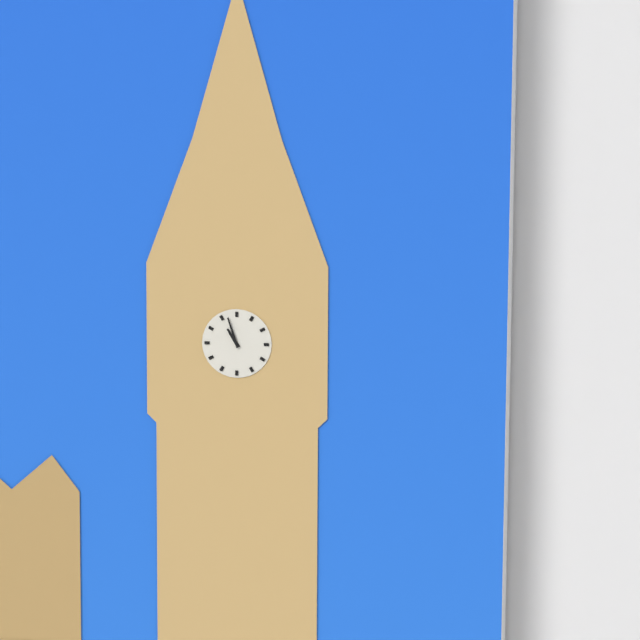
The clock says **10:57**
